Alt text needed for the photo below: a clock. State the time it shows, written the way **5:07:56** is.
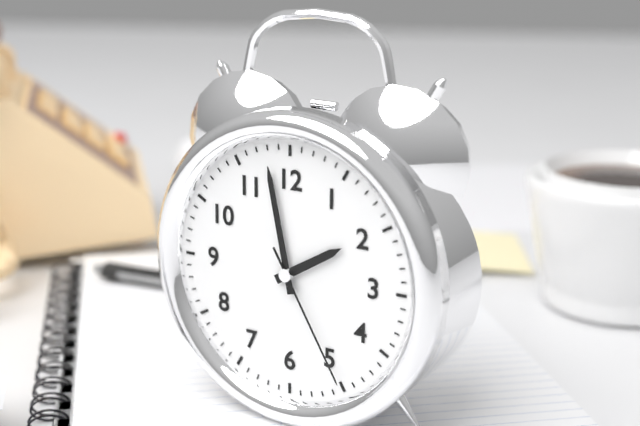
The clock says **1:58:25**
